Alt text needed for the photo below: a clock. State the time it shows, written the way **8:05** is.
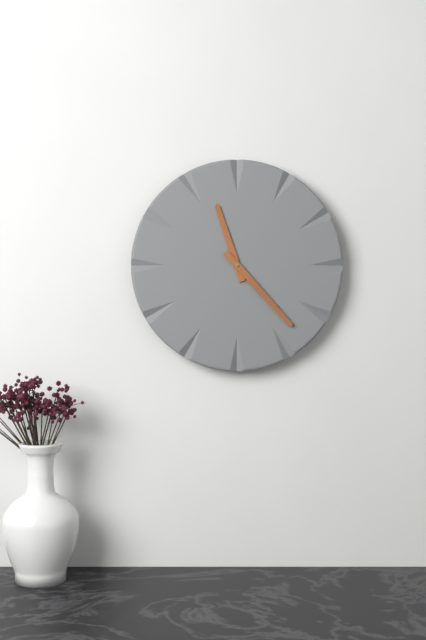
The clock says **11:23**
